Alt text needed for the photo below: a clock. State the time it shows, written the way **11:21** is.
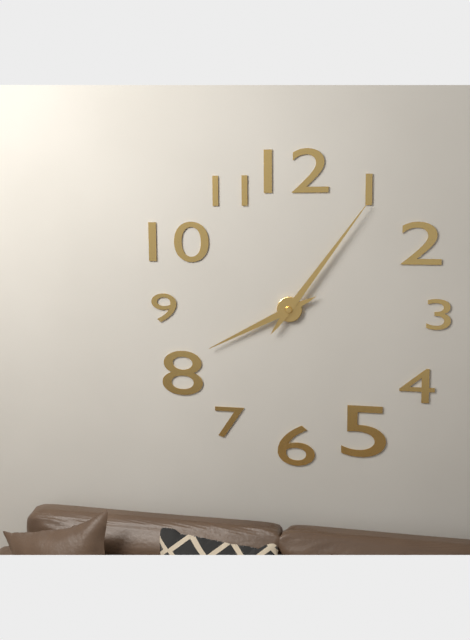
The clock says **8:06**
